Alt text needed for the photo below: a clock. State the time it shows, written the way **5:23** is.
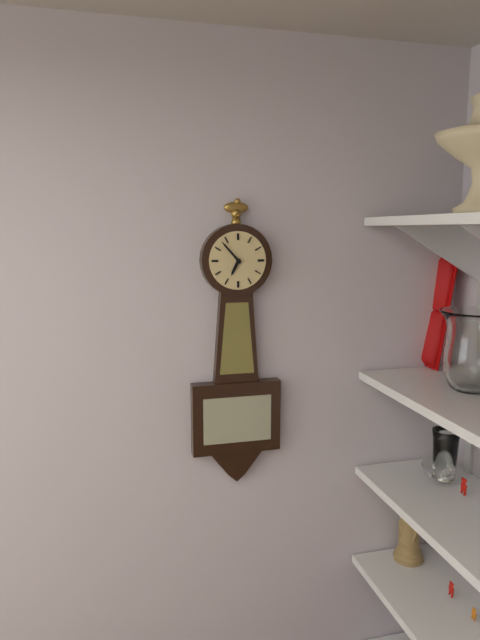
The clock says **6:53**
